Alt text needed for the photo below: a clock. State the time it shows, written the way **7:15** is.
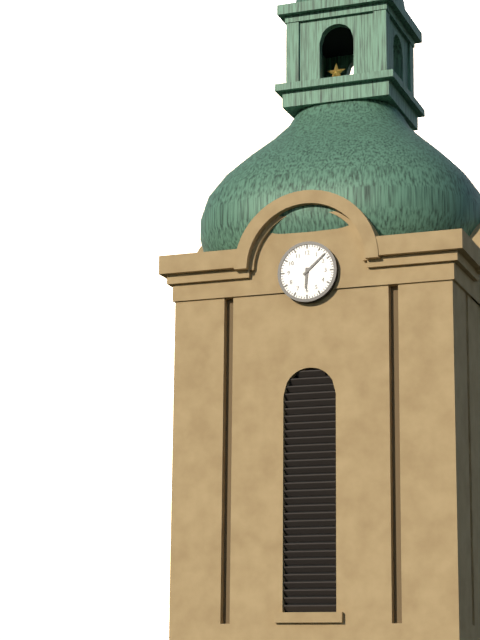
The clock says **6:08**
